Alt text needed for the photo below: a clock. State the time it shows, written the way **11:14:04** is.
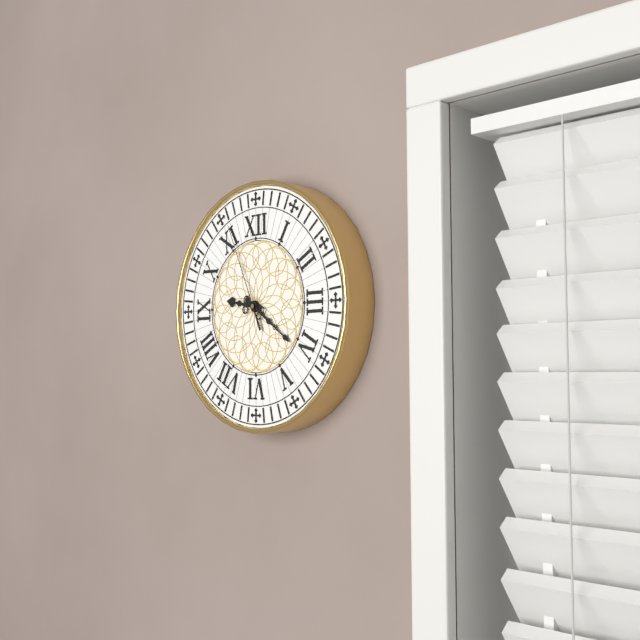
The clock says **9:21:56**
